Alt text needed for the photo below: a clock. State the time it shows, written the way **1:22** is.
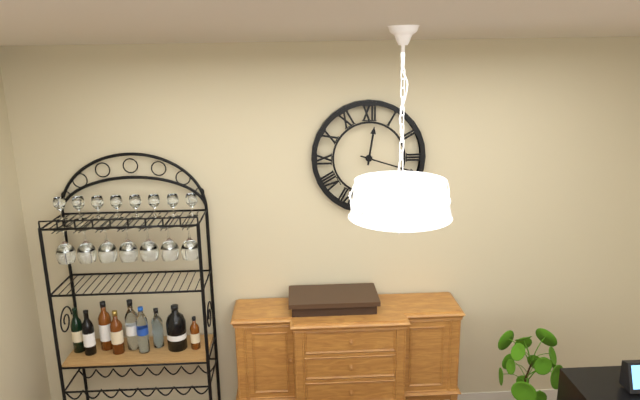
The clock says **12:18**
